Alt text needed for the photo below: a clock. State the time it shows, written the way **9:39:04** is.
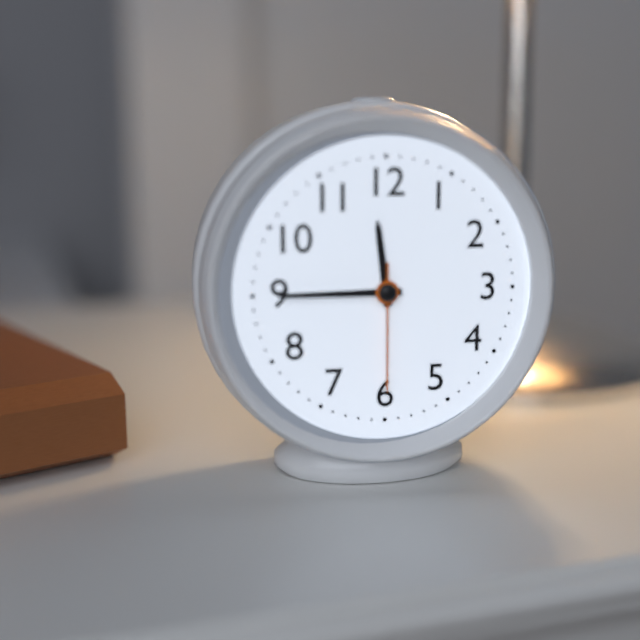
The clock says **11:45:30**
